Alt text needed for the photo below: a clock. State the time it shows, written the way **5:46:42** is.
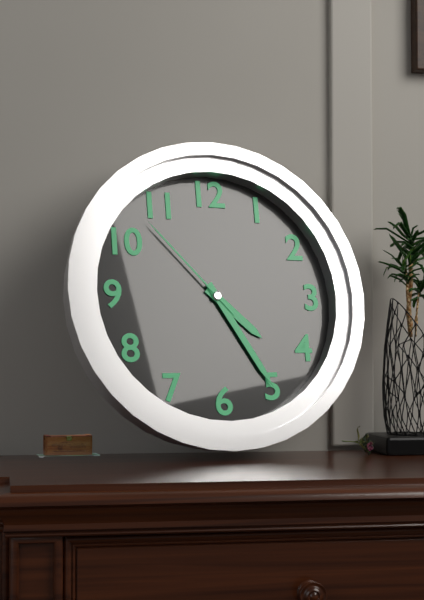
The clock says **4:25:53**
